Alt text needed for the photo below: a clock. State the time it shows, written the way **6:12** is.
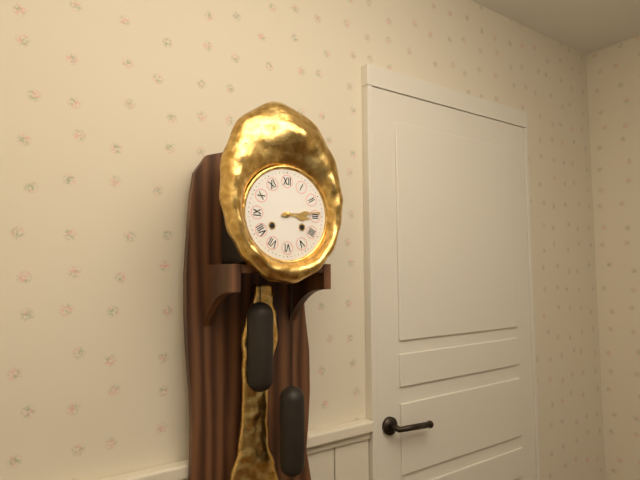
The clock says **3:14**
